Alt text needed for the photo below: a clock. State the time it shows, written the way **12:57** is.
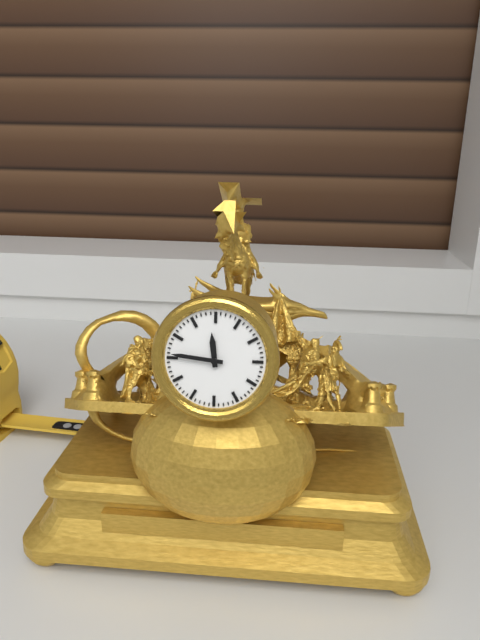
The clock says **11:46**
